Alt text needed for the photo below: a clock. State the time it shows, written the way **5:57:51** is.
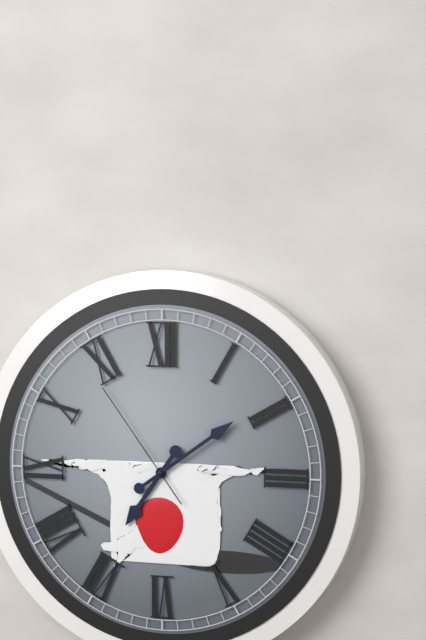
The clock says **7:09:54**
